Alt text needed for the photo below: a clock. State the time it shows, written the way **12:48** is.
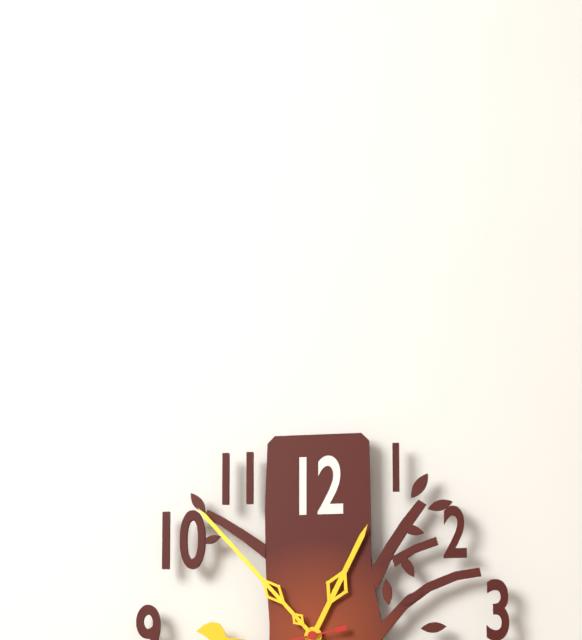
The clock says **12:53**
